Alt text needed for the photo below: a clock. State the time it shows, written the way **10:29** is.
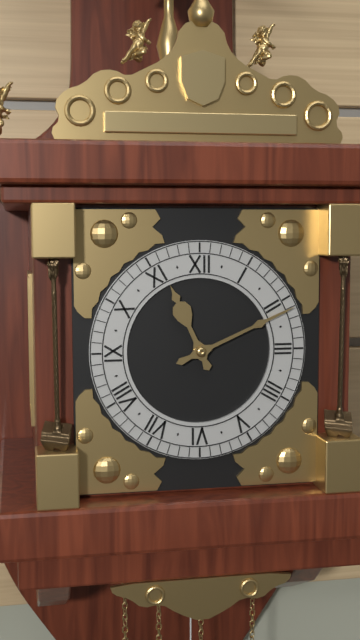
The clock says **11:11**
